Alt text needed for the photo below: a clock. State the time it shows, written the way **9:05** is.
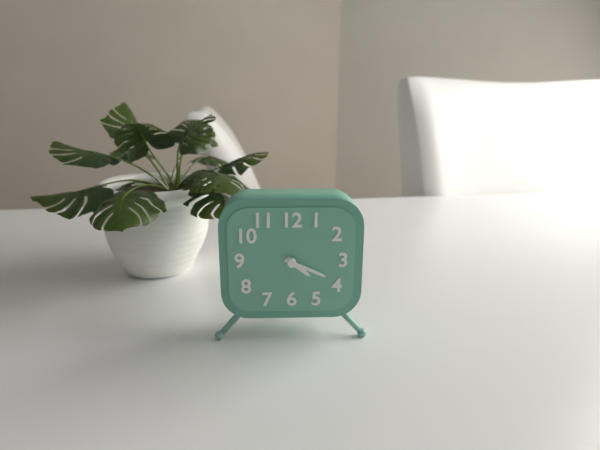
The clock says **4:19**
